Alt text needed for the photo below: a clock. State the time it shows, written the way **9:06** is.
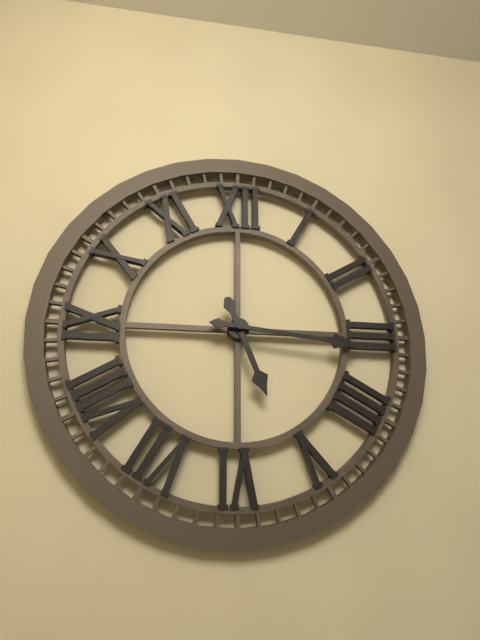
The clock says **5:16**
